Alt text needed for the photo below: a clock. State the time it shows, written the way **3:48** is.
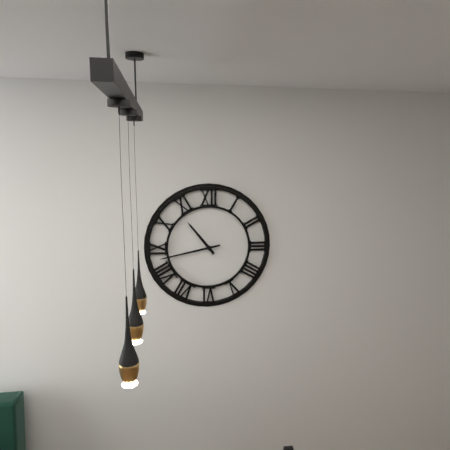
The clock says **10:43**
